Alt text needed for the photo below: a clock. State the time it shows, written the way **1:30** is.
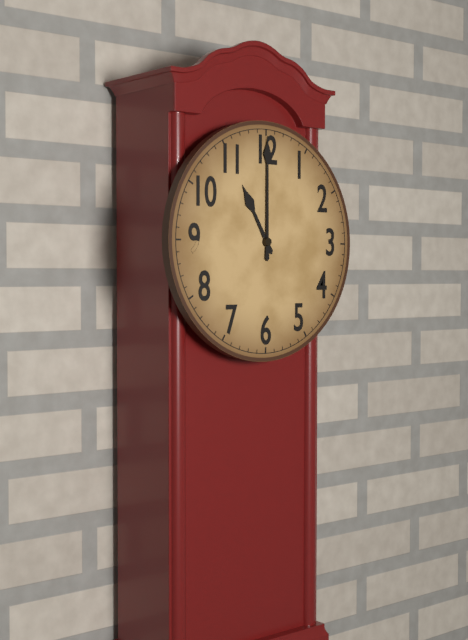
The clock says **11:00**
